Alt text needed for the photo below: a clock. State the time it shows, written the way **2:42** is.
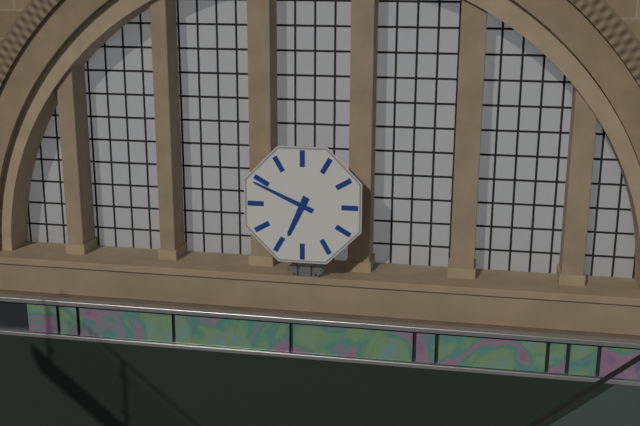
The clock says **6:49**
